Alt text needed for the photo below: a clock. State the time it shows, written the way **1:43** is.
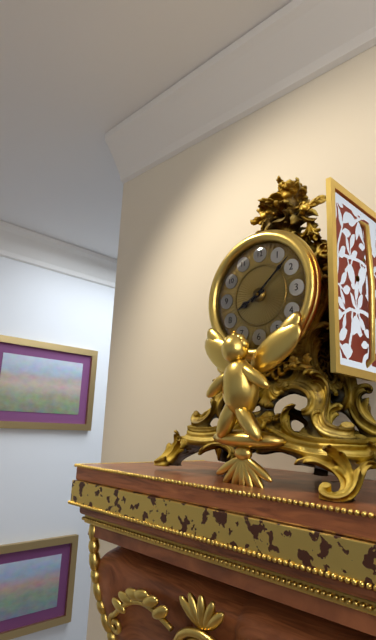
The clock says **8:08**
